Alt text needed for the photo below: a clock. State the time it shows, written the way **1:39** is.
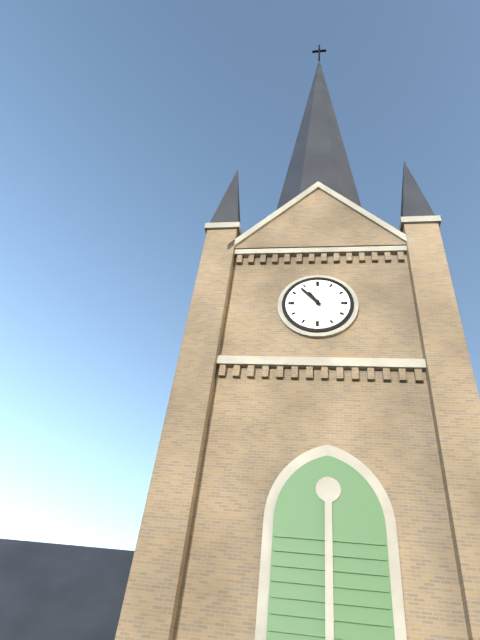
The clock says **10:53**
